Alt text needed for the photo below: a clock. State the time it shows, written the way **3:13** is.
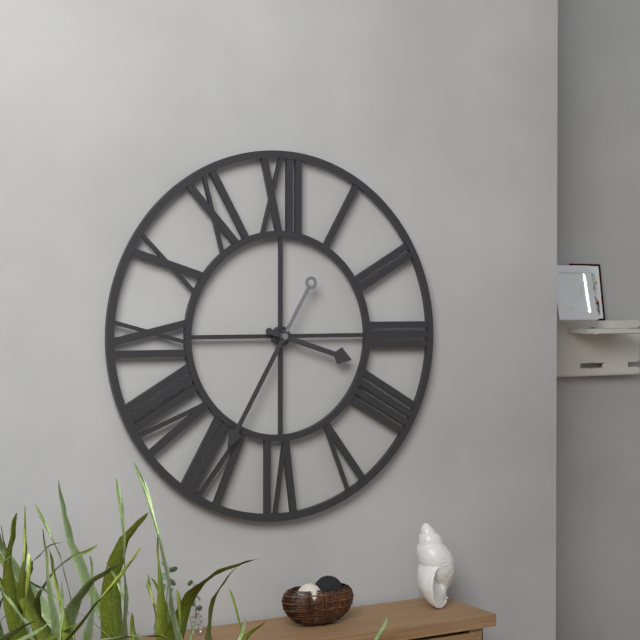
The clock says **3:35**
